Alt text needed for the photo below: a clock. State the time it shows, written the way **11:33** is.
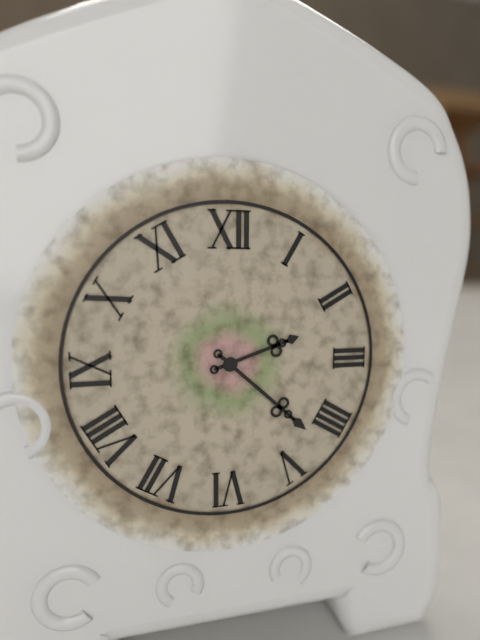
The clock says **2:22**
